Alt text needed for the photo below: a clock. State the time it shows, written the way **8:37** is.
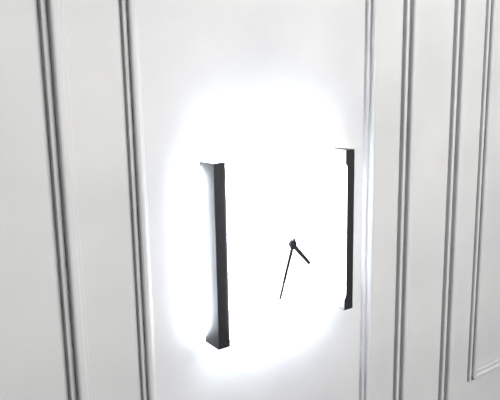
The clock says **4:33**
